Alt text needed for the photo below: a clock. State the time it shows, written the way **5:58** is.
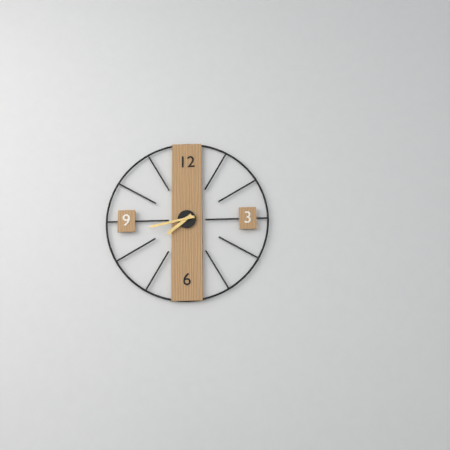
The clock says **7:43**
